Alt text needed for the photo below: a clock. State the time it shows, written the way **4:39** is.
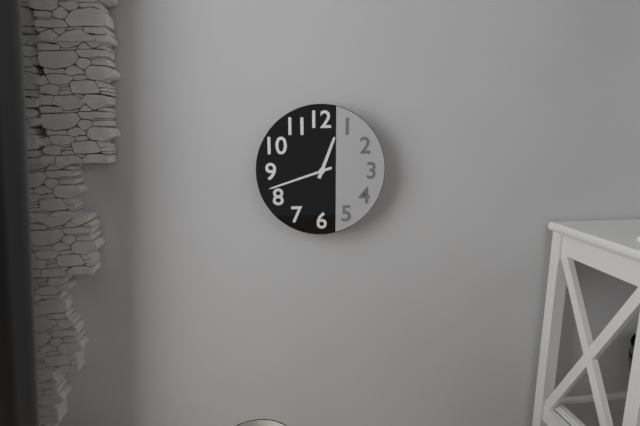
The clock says **12:42**
